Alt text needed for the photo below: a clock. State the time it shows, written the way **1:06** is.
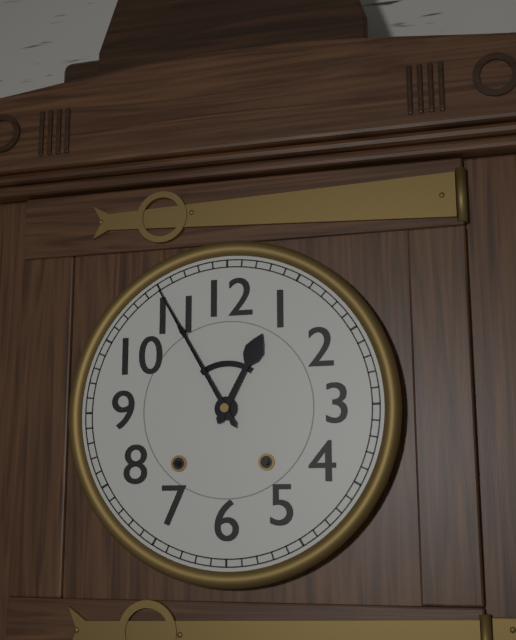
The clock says **12:55**
